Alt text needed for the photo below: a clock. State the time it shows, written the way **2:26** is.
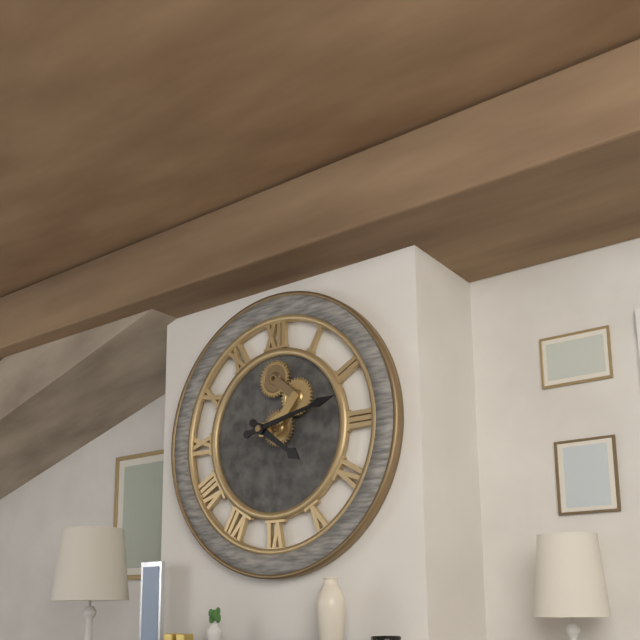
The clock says **4:13**
